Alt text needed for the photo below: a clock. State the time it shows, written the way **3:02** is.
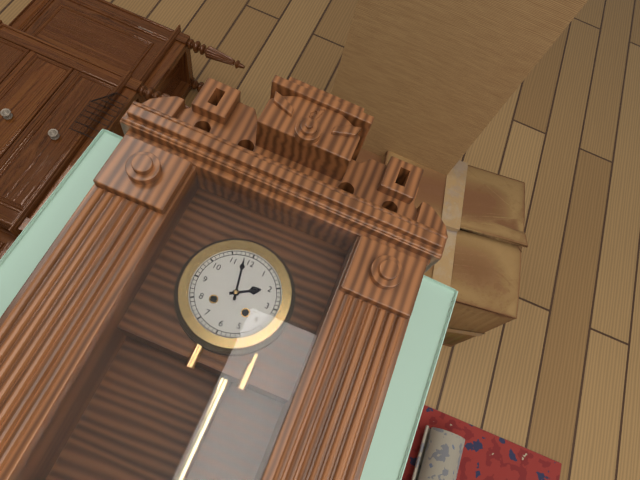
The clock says **1:58**
